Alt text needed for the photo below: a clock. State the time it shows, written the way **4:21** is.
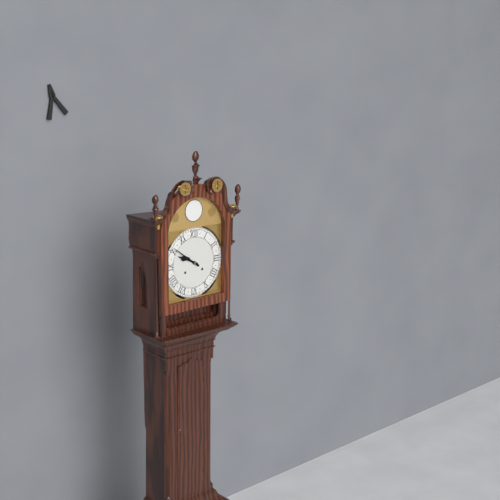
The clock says **9:51**
